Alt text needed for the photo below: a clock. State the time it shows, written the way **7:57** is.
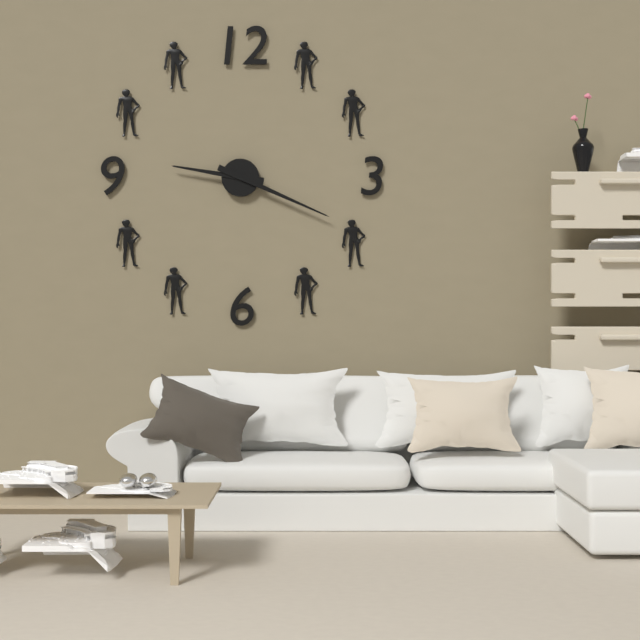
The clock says **9:19**
